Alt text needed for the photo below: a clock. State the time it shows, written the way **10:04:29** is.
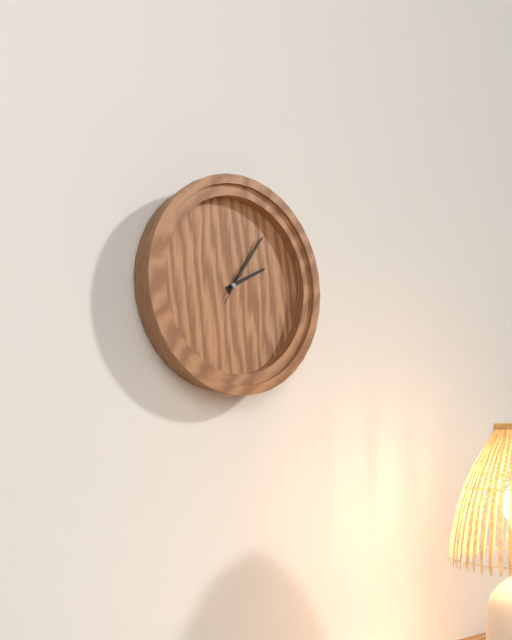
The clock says **2:06:05**
